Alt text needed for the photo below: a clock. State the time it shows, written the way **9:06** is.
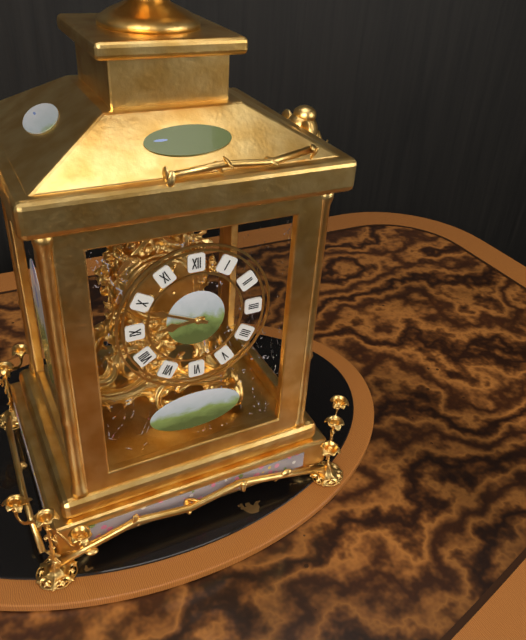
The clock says **8:49**
